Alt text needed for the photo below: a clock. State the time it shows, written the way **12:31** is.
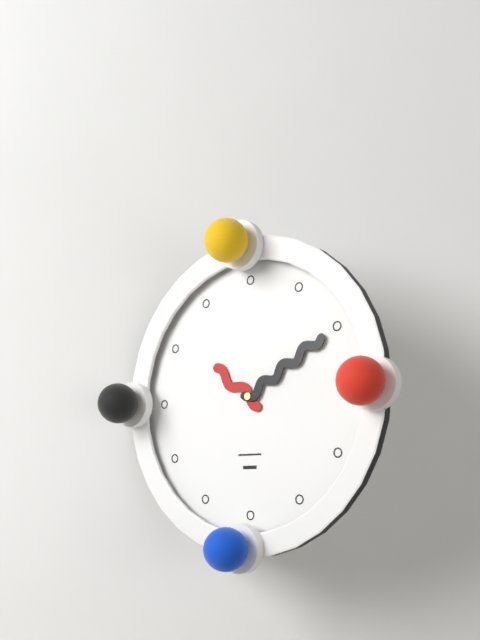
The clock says **10:10**
